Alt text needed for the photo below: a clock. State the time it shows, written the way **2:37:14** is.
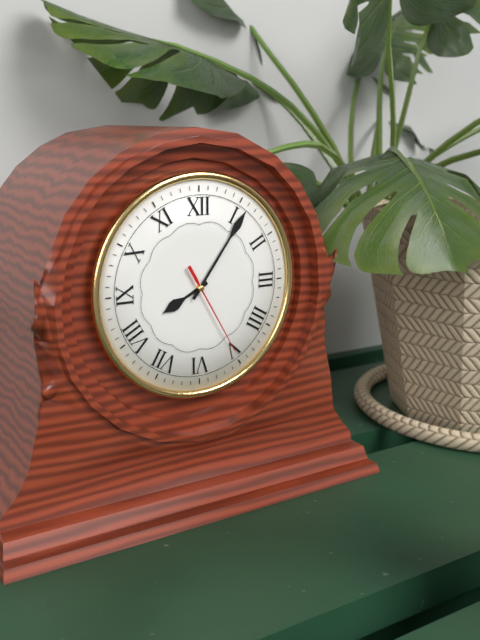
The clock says **8:06:25**
